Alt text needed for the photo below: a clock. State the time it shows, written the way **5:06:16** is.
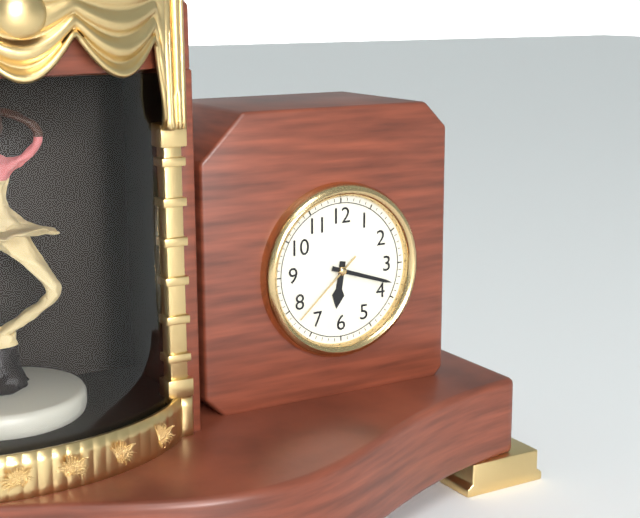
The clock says **6:18:38**
